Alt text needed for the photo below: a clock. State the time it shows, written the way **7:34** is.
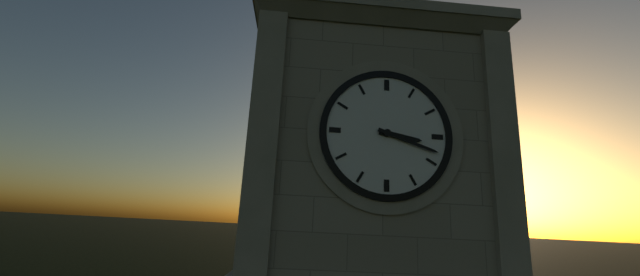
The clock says **3:18**
